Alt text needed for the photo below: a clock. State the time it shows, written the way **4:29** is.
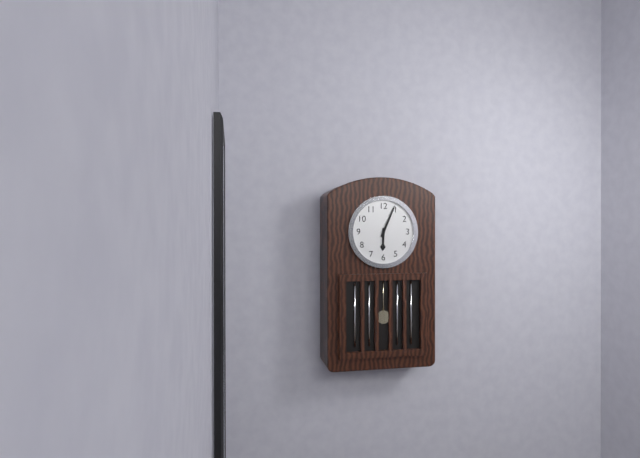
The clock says **6:04**
